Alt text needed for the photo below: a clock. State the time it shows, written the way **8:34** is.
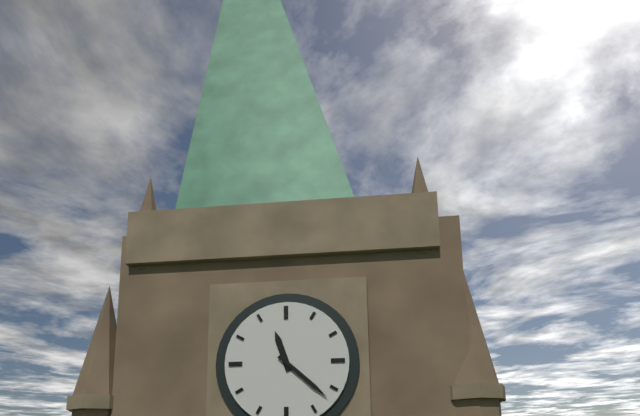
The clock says **11:22**
